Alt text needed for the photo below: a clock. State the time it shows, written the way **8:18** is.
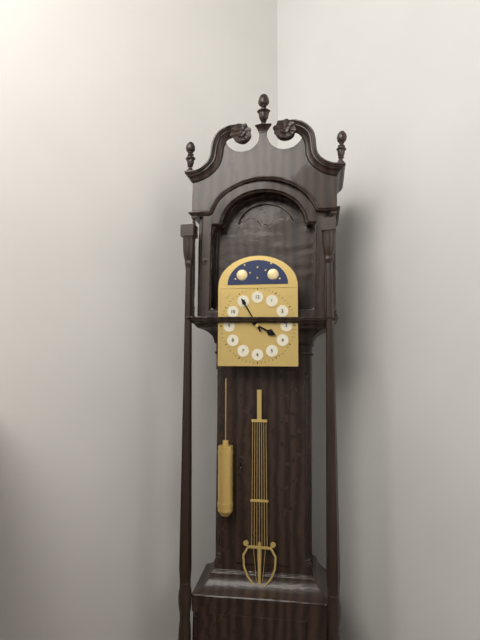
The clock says **3:55**
